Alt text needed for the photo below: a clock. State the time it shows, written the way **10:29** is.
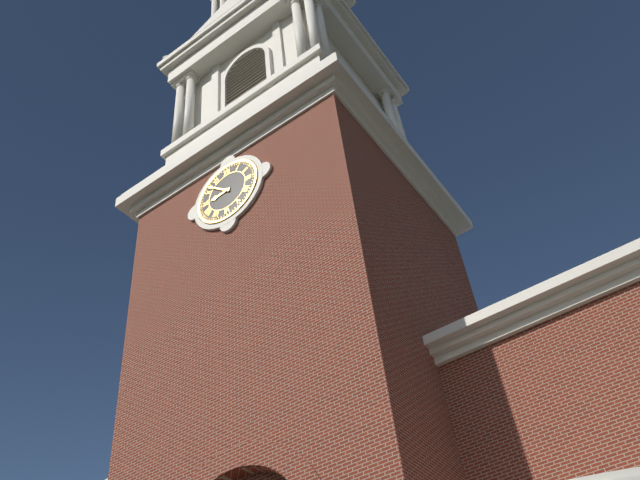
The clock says **8:52**
